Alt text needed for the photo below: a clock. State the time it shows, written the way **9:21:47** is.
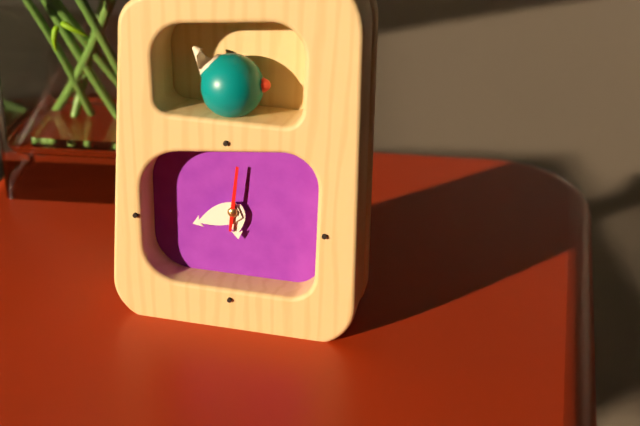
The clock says **5:41:01**
